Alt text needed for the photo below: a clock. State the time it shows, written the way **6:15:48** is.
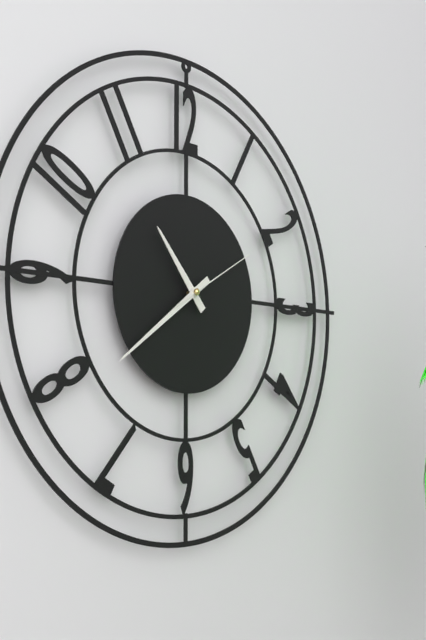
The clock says **10:39:10**
